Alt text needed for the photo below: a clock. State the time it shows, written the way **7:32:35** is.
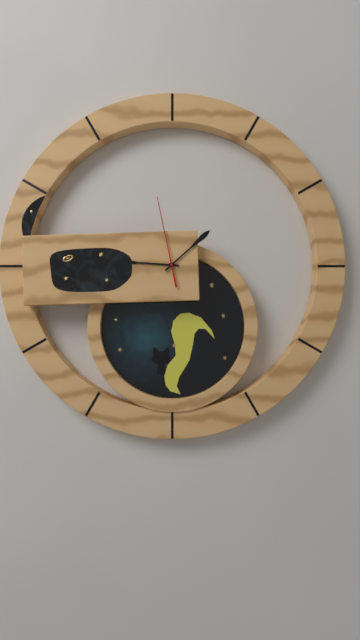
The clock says **9:08:58**
